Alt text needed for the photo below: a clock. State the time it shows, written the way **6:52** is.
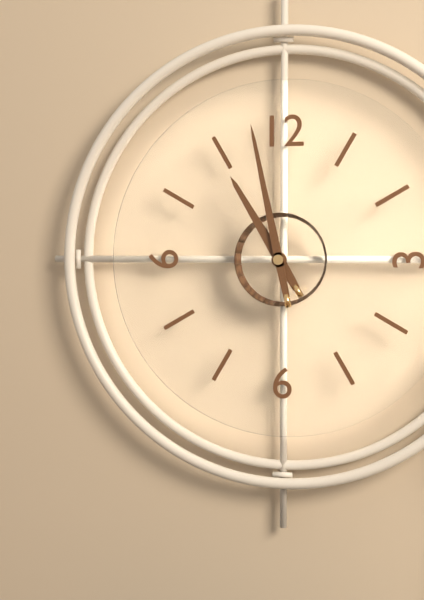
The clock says **10:58**
